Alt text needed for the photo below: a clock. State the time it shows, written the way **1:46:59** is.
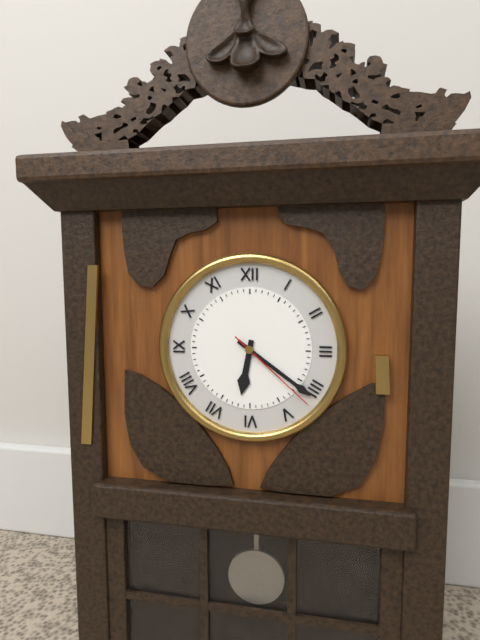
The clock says **6:21:22**
